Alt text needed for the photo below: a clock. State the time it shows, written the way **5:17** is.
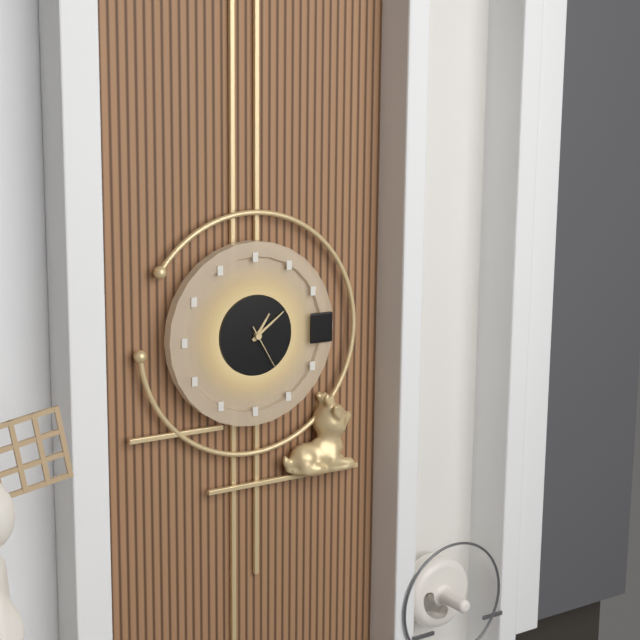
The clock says **1:09**
